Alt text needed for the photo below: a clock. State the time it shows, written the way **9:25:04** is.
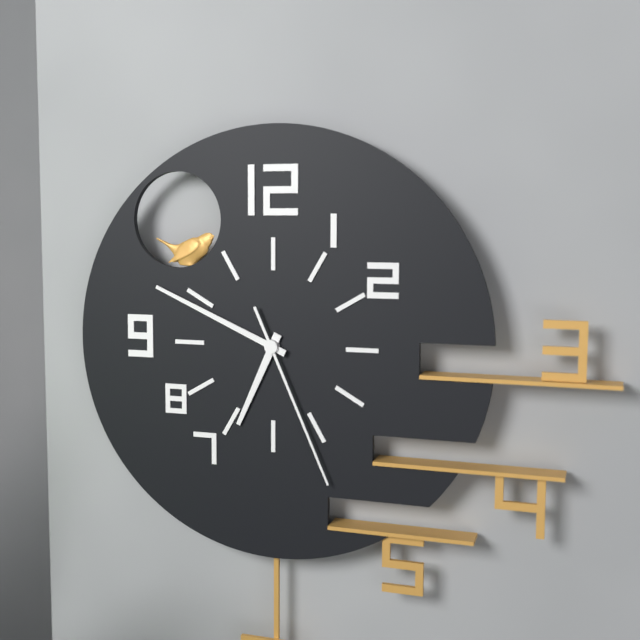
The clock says **6:49:26**
